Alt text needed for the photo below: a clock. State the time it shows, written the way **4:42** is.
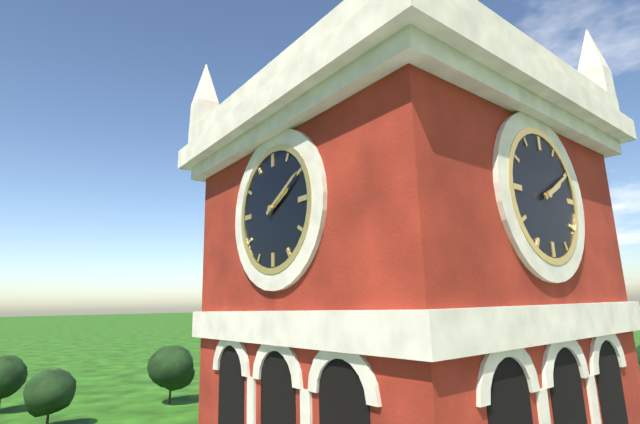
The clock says **2:10**
